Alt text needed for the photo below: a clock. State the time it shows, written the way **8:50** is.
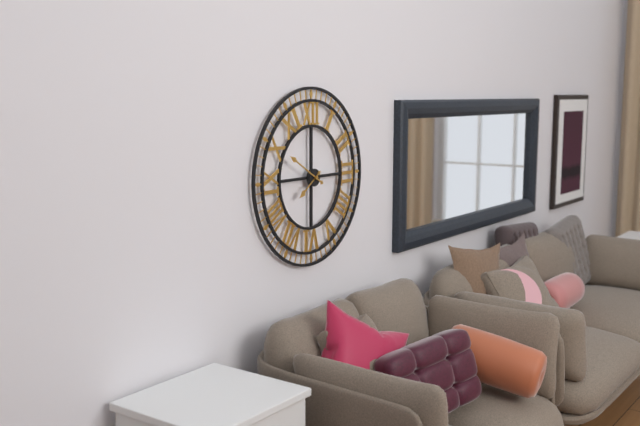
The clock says **7:50**
